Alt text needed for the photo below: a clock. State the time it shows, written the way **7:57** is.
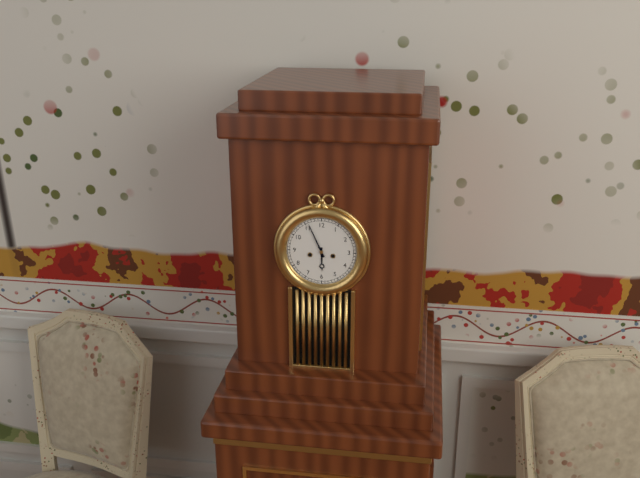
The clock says **5:56**
